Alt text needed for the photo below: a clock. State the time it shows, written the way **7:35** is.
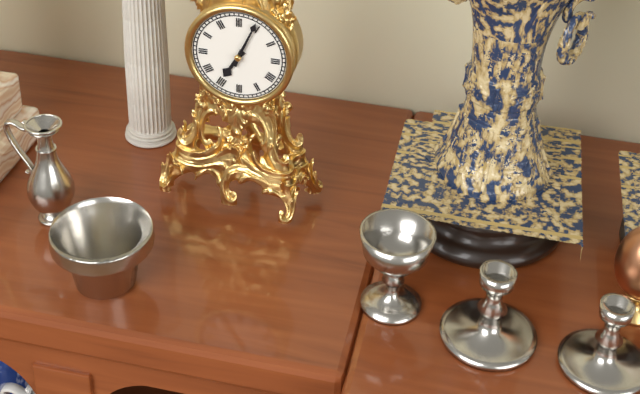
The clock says **7:04**
